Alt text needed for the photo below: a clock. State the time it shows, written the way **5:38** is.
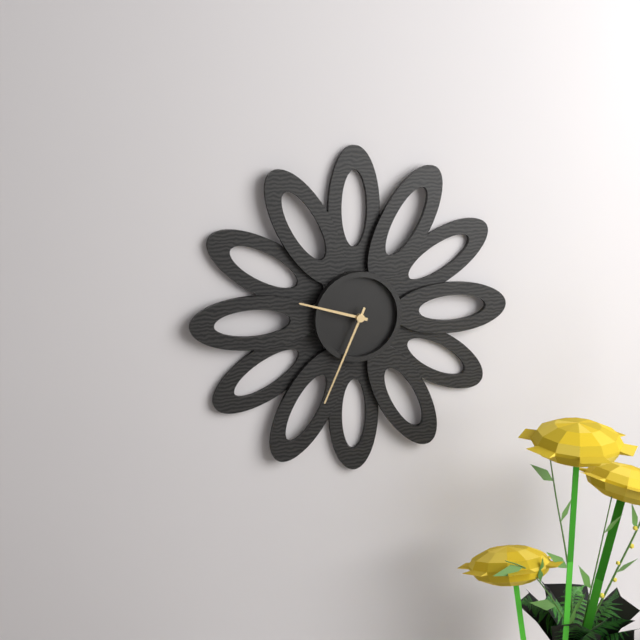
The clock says **9:34**
